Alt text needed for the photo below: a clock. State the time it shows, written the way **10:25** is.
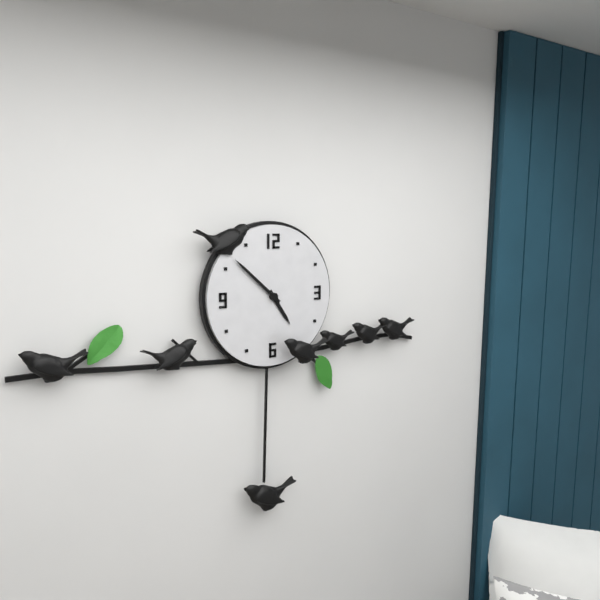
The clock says **4:52**
